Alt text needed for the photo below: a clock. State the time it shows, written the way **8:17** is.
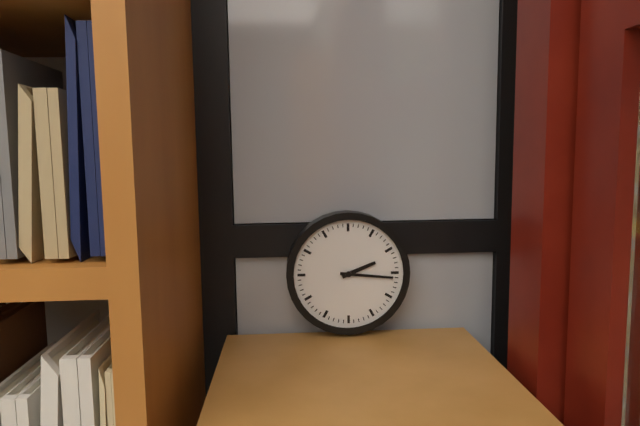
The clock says **2:16**
